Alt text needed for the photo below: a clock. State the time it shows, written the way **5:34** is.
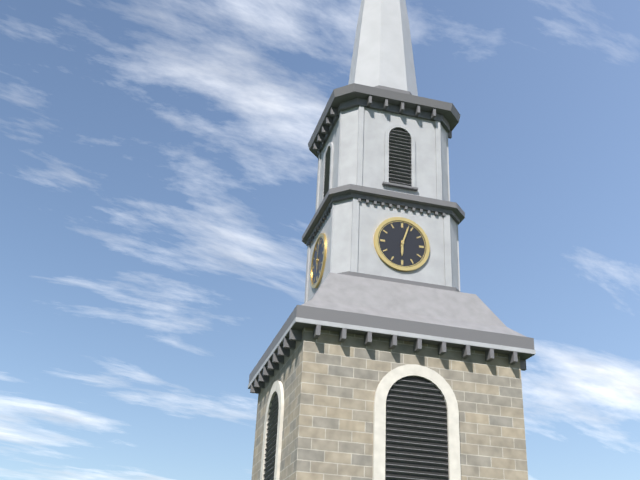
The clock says **6:03**
